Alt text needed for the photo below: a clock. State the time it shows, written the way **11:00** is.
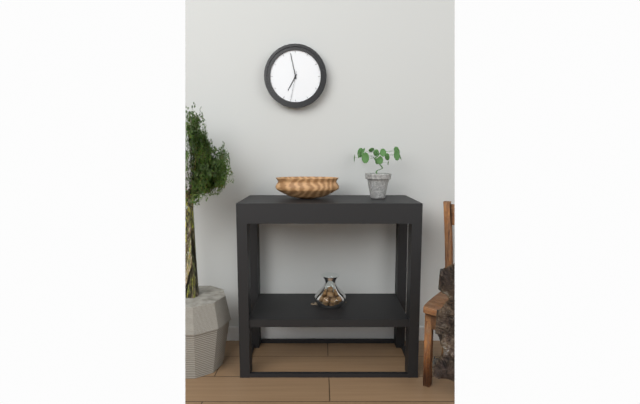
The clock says **6:58**
